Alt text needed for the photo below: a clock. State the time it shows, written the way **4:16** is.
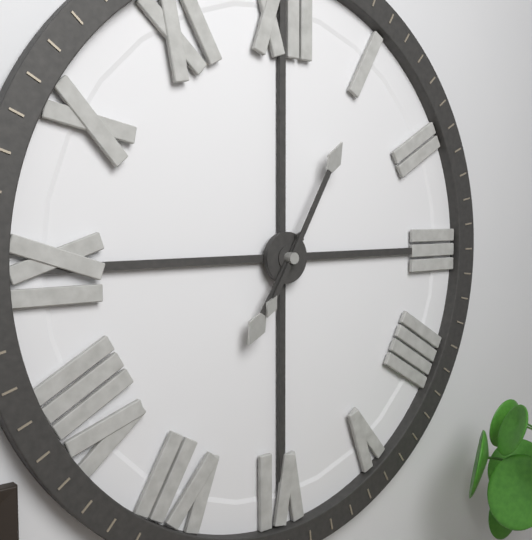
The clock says **7:05**
